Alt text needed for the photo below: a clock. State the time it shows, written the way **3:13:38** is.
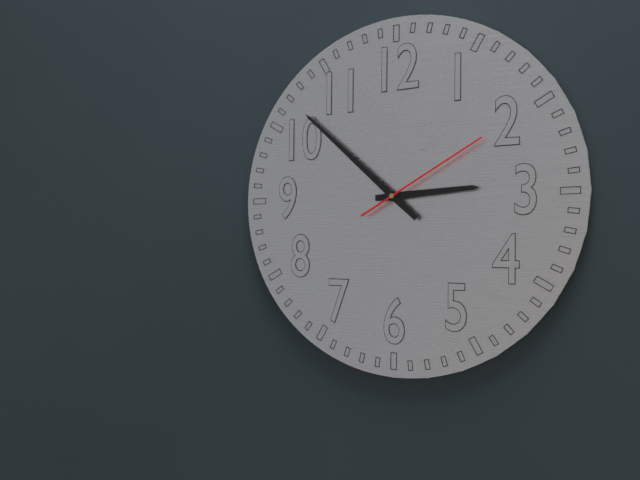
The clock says **2:52:10**
